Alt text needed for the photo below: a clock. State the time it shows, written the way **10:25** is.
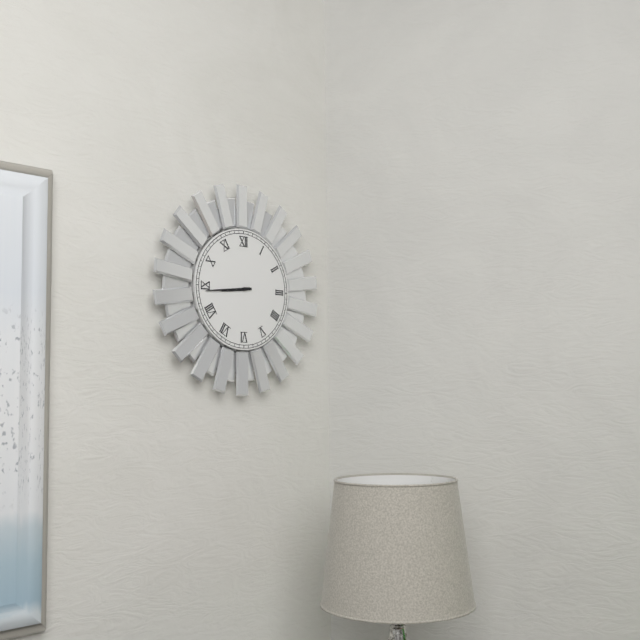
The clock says **8:44**
